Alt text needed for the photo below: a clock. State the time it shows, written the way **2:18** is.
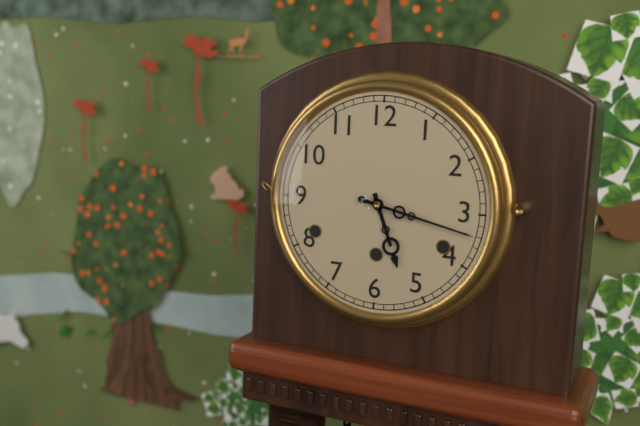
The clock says **5:17**
